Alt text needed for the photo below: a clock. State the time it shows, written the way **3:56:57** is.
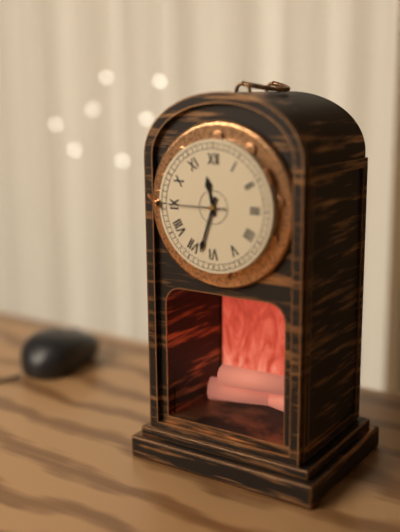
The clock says **11:33:45**
